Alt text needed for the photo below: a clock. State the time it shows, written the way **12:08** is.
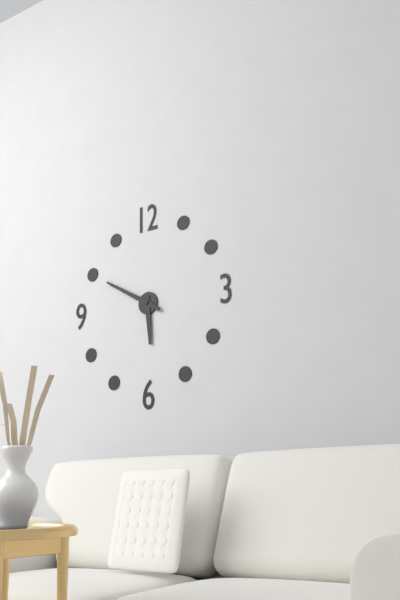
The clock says **5:50**
